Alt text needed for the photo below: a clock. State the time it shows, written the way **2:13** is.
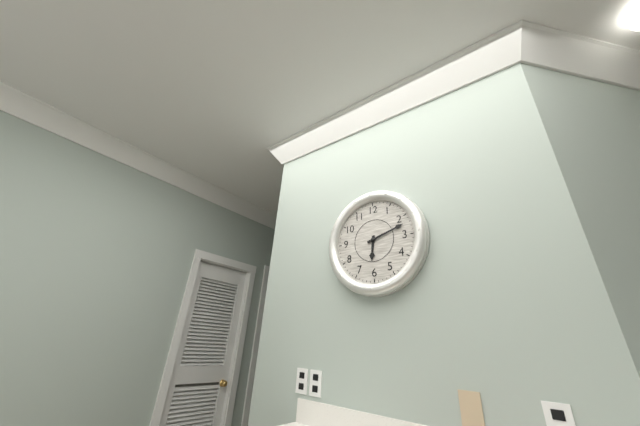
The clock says **6:12**
